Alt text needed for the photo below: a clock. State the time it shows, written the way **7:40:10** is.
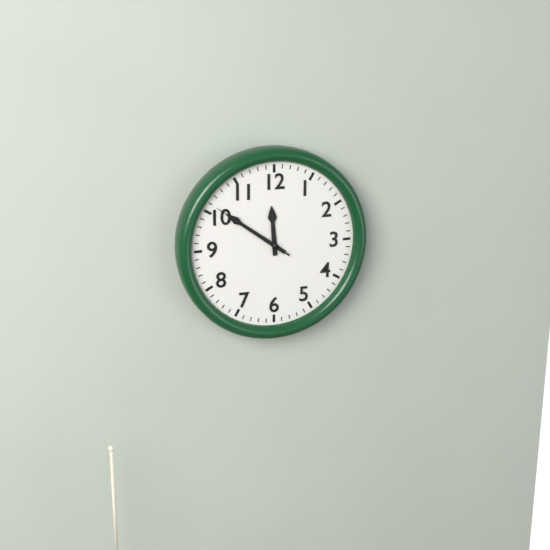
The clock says **11:51:51**
